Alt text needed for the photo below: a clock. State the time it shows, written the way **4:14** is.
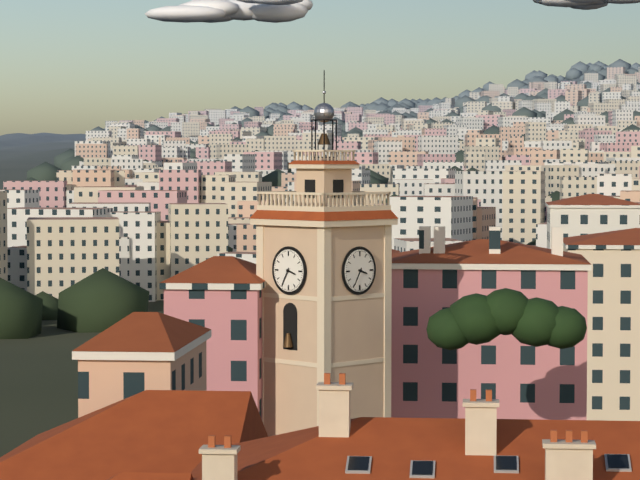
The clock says **3:35**
